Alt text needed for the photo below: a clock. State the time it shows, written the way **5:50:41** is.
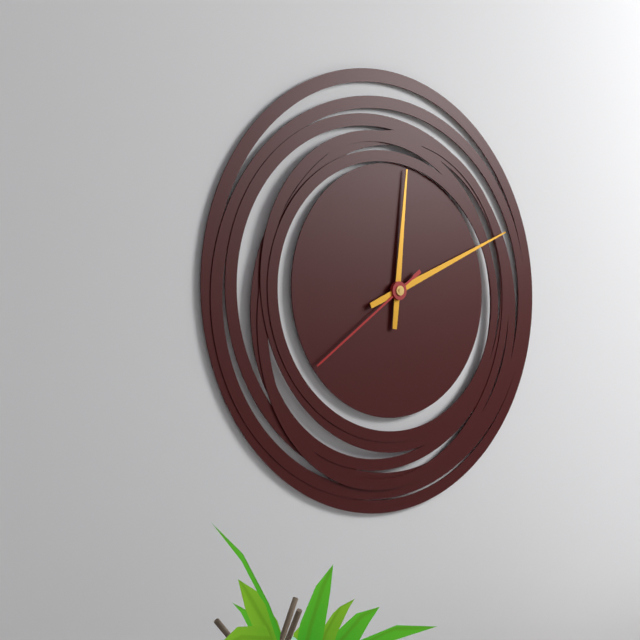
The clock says **12:11:39**
